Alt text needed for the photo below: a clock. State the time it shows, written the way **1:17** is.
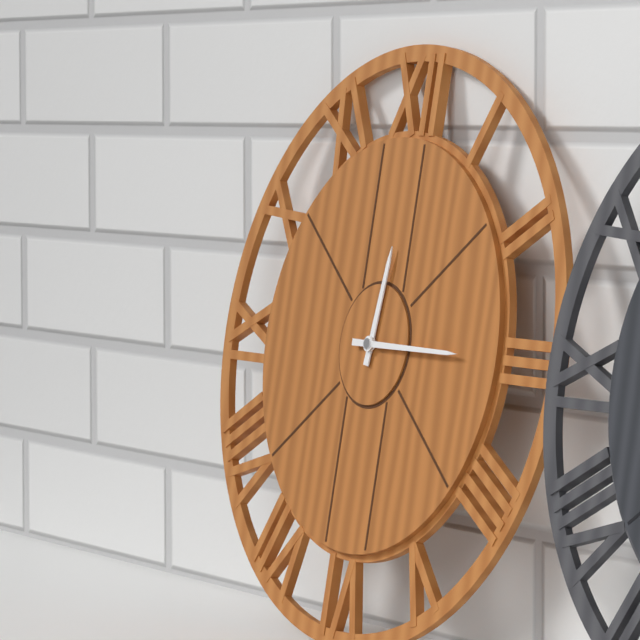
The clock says **12:15**
